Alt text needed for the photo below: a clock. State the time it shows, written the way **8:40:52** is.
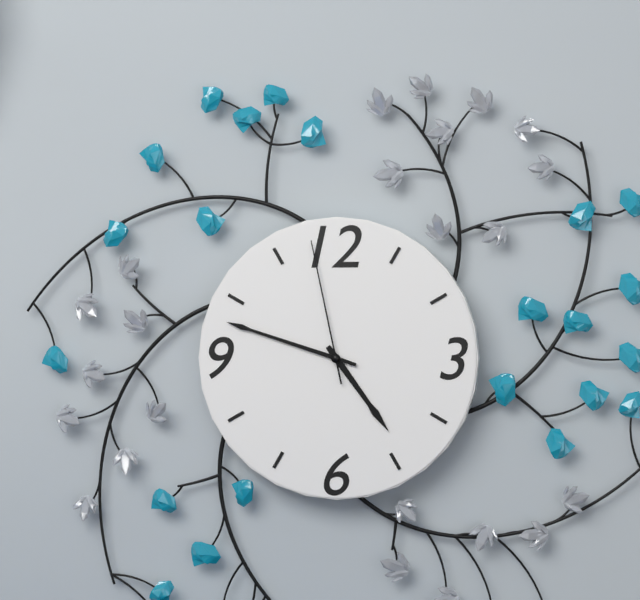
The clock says **4:48:58**
